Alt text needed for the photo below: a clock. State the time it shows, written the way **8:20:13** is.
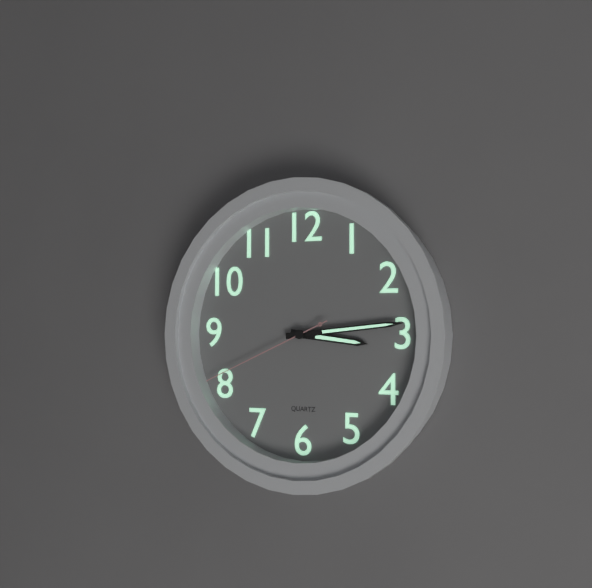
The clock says **3:14:41**
